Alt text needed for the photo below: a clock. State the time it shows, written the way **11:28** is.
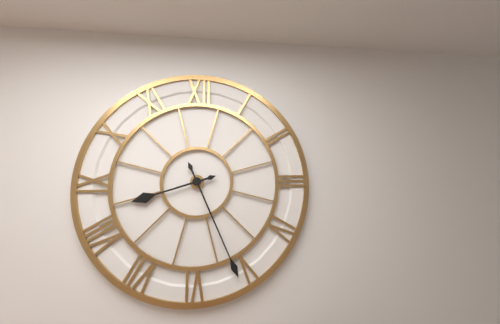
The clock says **8:26**
